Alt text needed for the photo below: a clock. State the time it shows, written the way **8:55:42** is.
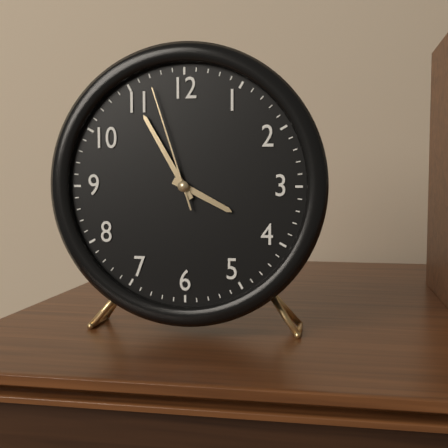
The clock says **3:55:57**
